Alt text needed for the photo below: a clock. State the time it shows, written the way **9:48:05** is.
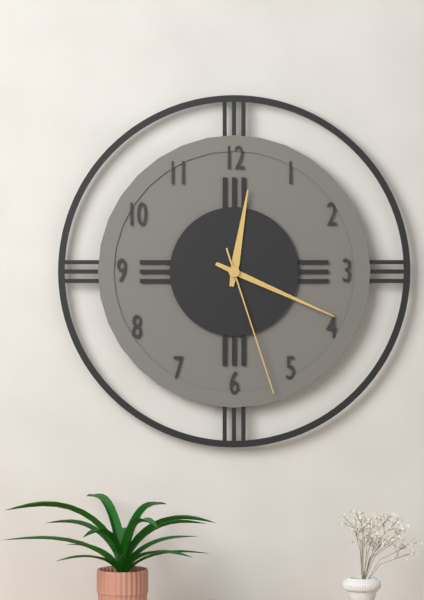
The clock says **12:19:27**
